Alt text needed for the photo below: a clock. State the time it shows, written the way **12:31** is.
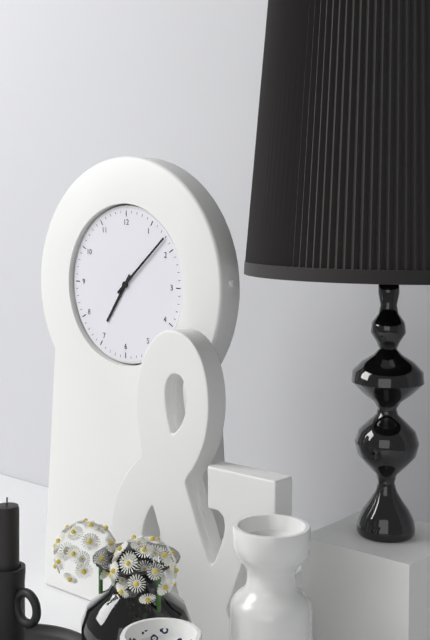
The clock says **7:08**
